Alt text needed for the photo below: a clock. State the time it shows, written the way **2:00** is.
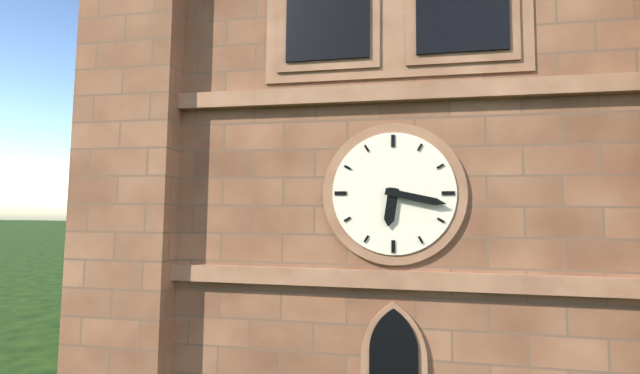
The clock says **6:17**
